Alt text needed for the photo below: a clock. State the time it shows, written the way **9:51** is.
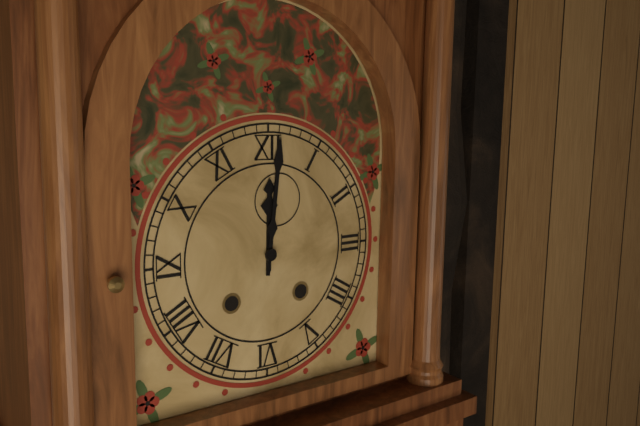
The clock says **12:01**
